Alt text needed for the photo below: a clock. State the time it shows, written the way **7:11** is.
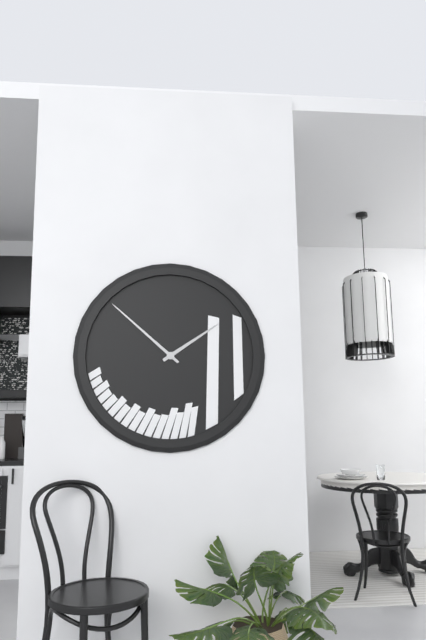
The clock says **1:52**
